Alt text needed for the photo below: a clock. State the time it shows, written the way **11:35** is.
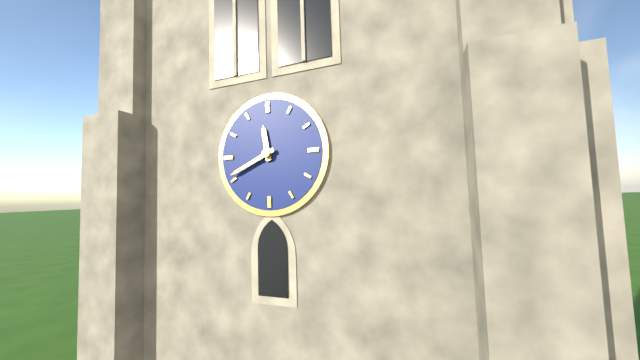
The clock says **11:41**
